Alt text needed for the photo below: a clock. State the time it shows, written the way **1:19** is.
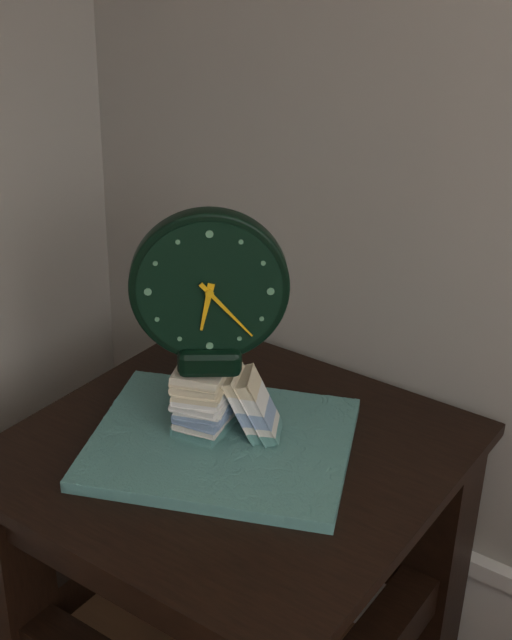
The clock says **6:23**
